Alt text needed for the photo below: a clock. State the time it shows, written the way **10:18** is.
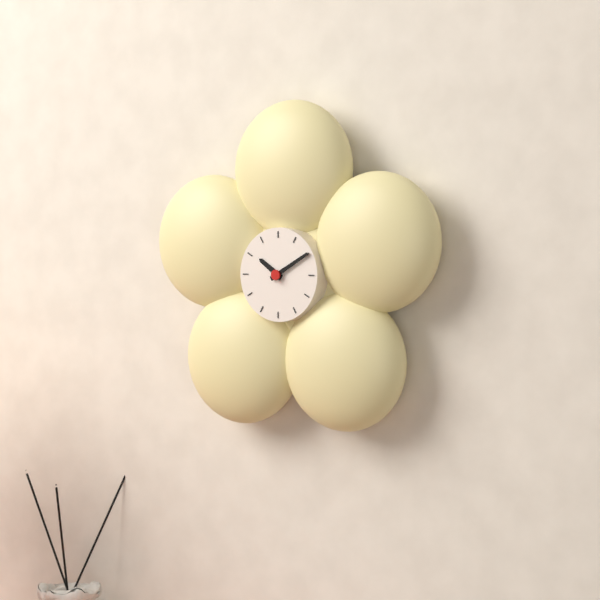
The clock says **10:10**
